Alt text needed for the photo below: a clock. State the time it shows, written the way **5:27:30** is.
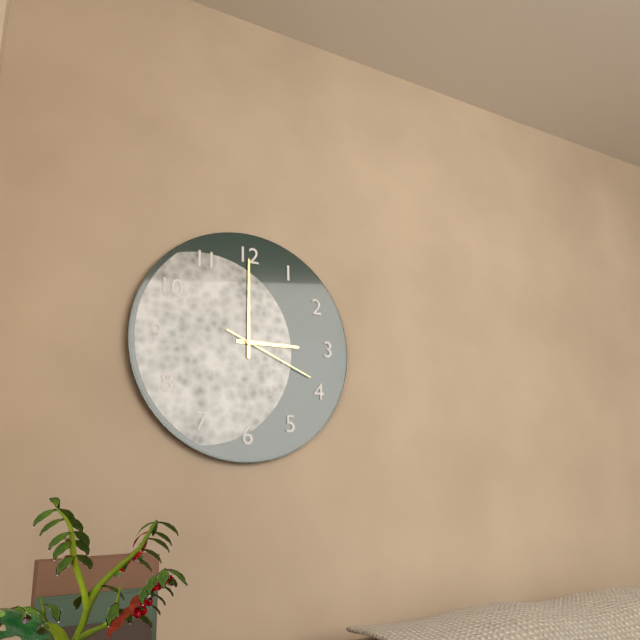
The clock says **3:00:19**
